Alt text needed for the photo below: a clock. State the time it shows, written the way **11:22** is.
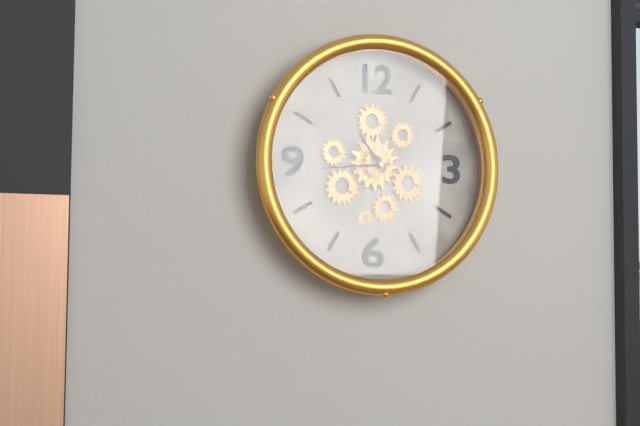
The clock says **10:44**
